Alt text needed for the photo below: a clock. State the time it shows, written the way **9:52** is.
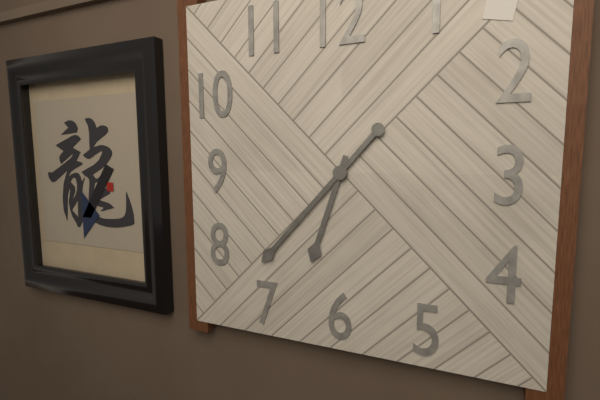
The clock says **6:37**
